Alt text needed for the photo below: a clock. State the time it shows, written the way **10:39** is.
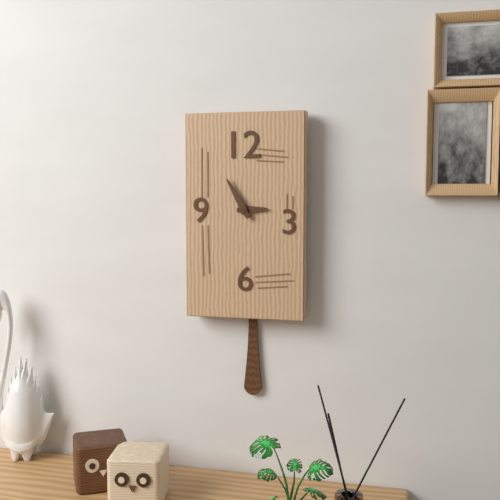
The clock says **2:55**
